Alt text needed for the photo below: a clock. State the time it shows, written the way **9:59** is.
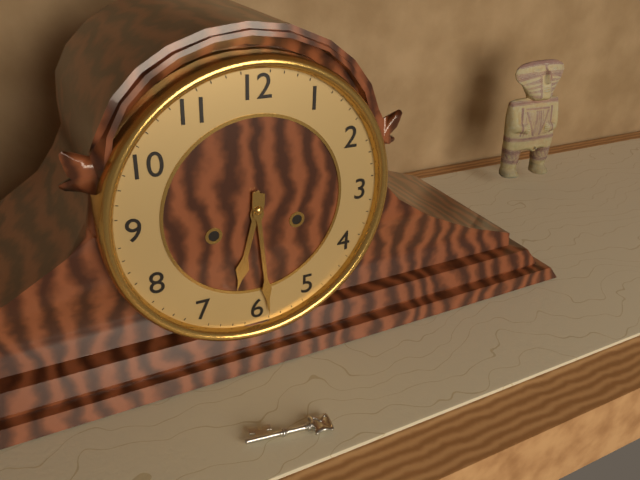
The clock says **6:29**
